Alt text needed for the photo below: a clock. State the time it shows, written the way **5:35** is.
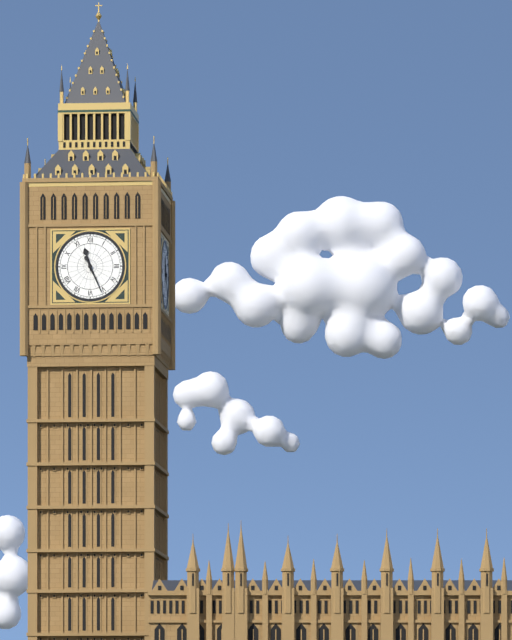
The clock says **11:26**
